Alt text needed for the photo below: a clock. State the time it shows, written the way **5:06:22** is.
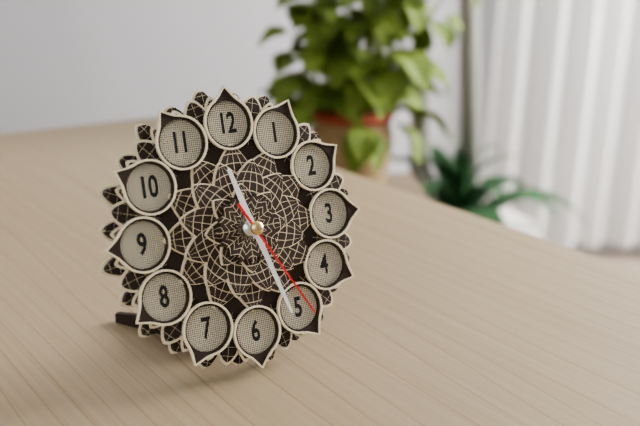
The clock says **11:27:25**
